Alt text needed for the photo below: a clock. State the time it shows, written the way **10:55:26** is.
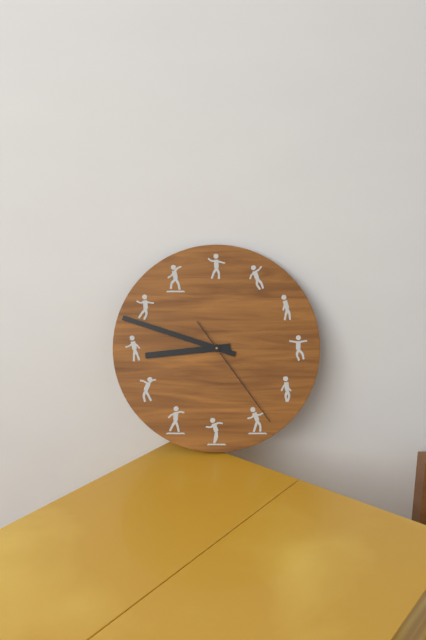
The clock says **8:48:24**
